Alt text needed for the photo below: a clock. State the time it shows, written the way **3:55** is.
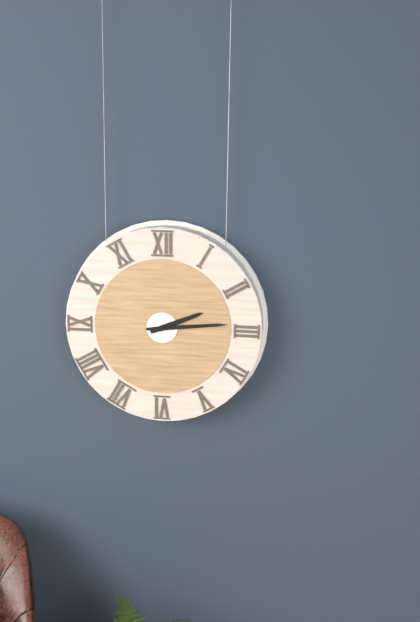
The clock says **2:14**
